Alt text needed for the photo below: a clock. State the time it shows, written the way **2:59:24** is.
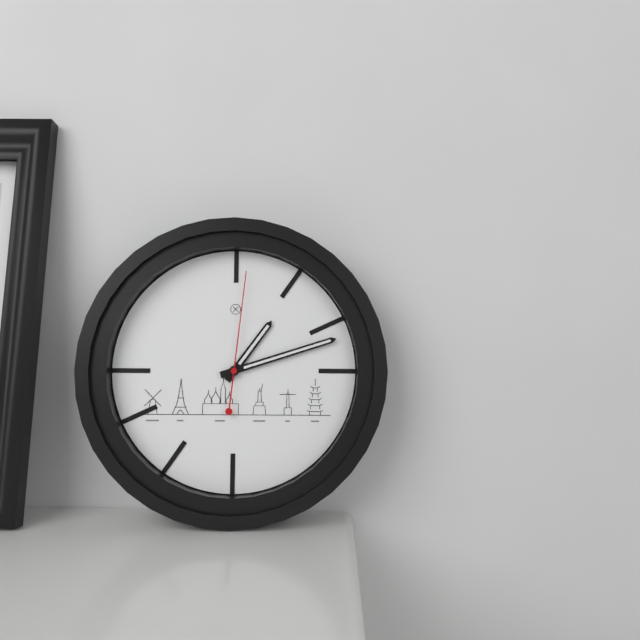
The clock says **1:12:01**
